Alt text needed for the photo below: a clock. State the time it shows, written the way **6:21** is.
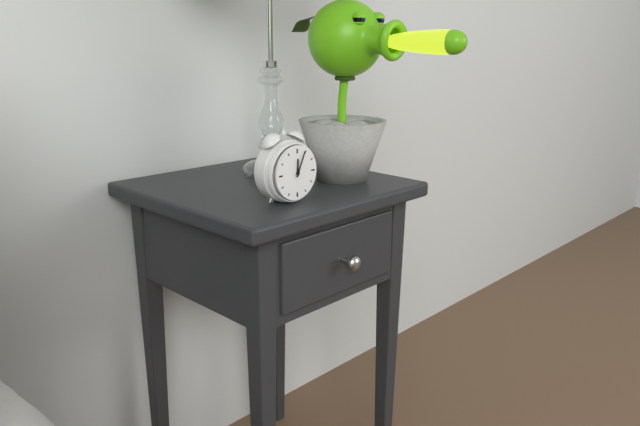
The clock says **12:04**
